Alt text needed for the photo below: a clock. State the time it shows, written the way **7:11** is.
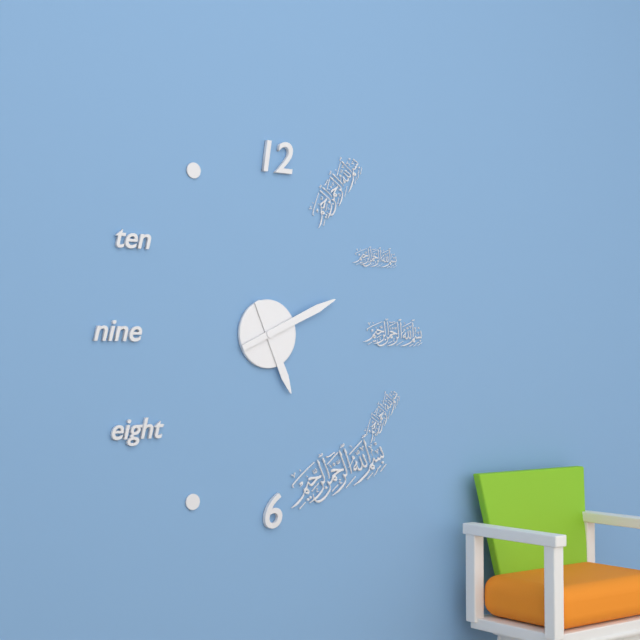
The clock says **5:11**
